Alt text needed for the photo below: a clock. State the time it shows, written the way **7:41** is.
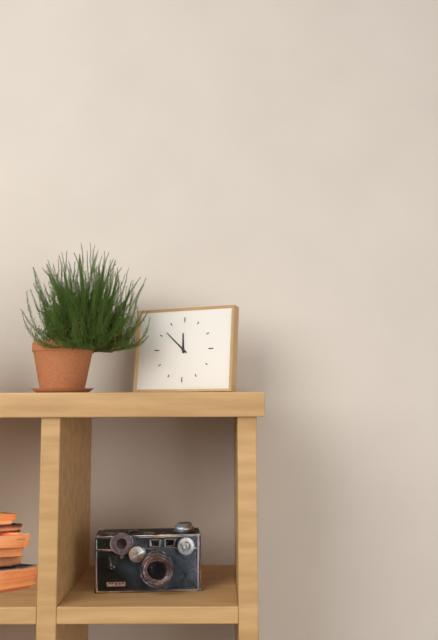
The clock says **11:52**
